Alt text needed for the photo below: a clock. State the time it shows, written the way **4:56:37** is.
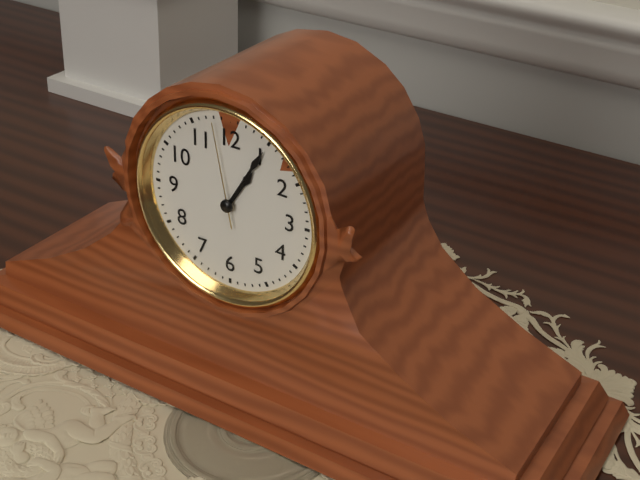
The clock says **1:05:58**
